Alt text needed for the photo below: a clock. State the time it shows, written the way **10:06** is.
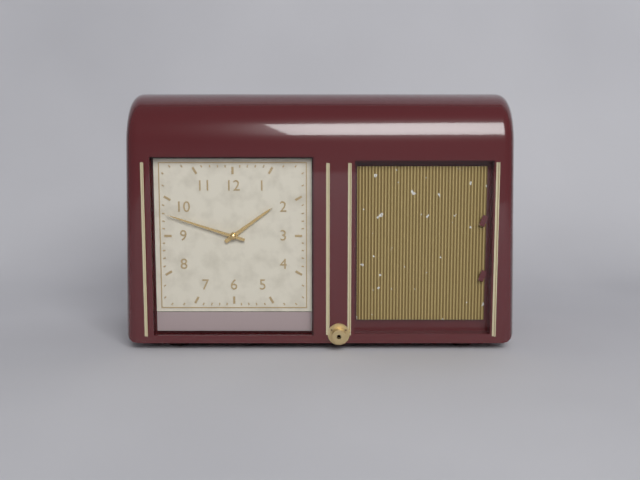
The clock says **1:48**
